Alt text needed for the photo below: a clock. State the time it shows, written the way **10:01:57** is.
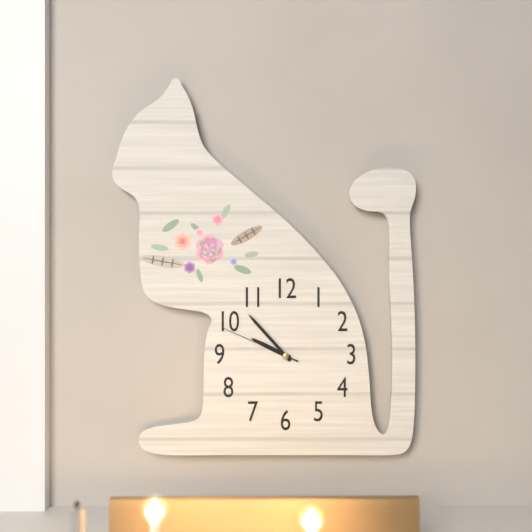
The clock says **9:53:49**
